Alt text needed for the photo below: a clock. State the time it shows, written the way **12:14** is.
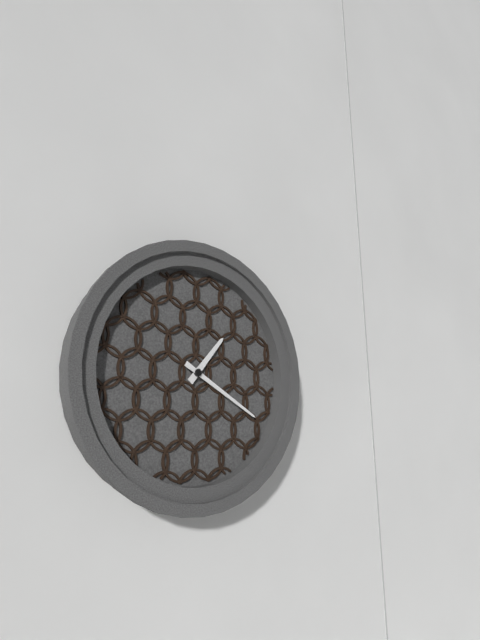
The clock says **1:20**
